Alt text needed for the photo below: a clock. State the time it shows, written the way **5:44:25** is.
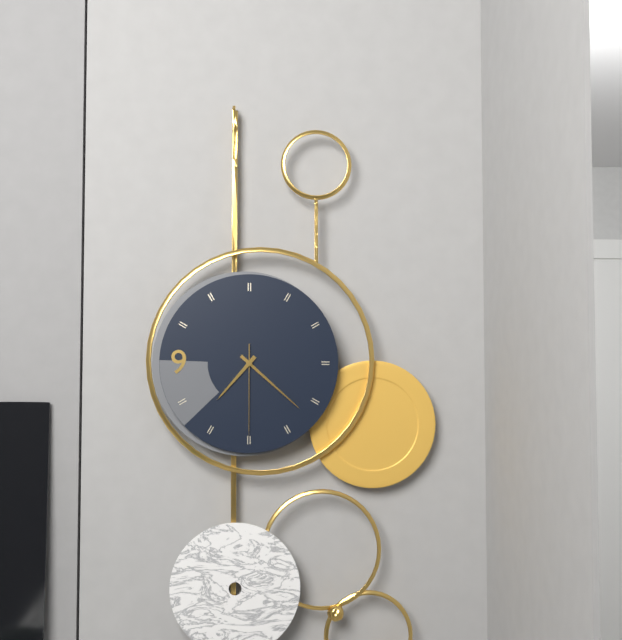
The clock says **7:22:30**
